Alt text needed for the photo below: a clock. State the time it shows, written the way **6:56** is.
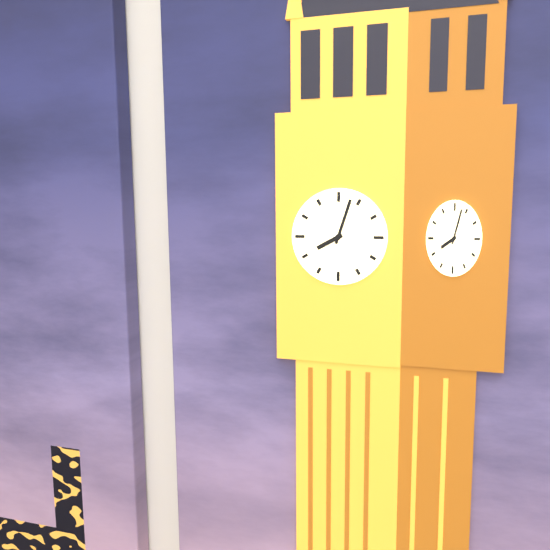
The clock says **8:03**
